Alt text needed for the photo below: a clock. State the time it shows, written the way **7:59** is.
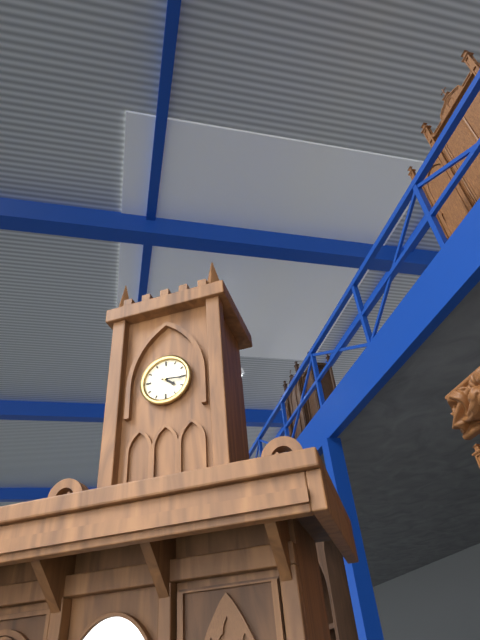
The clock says **4:16**
